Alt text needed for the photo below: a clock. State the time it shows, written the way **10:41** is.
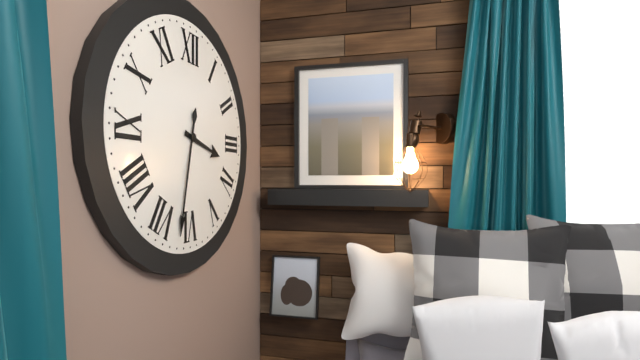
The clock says **3:32**
